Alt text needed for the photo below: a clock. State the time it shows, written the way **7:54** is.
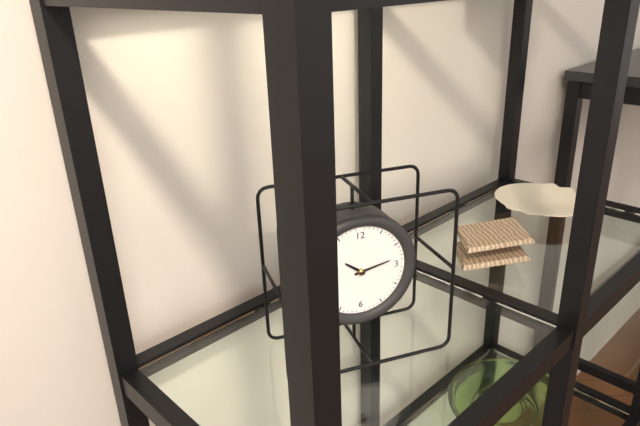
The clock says **10:13**
